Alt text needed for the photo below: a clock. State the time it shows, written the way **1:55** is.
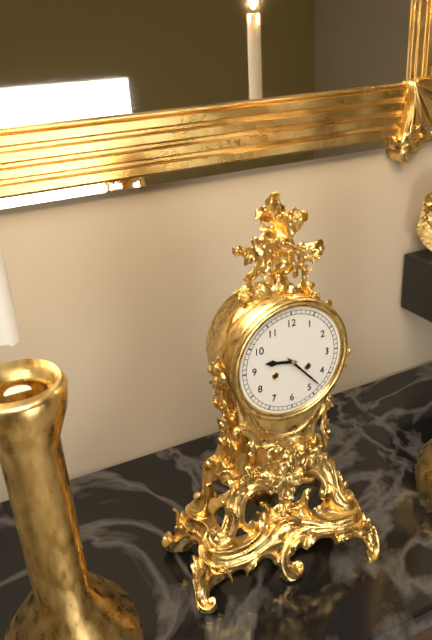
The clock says **9:23**
